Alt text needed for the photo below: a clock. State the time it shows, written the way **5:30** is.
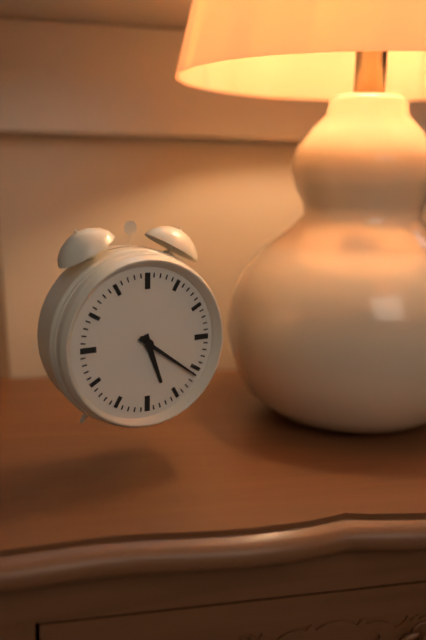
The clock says **5:21**
